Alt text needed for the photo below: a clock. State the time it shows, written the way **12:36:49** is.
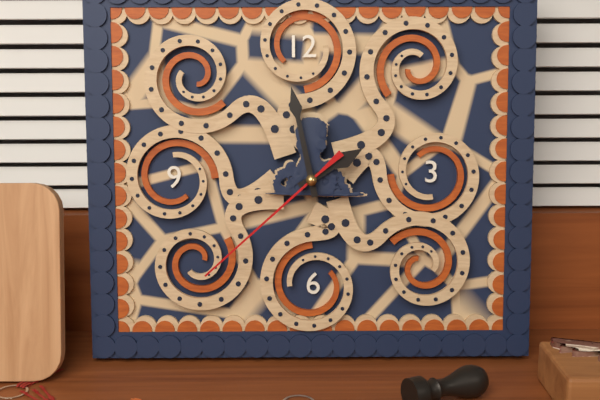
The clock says **1:58:38**
